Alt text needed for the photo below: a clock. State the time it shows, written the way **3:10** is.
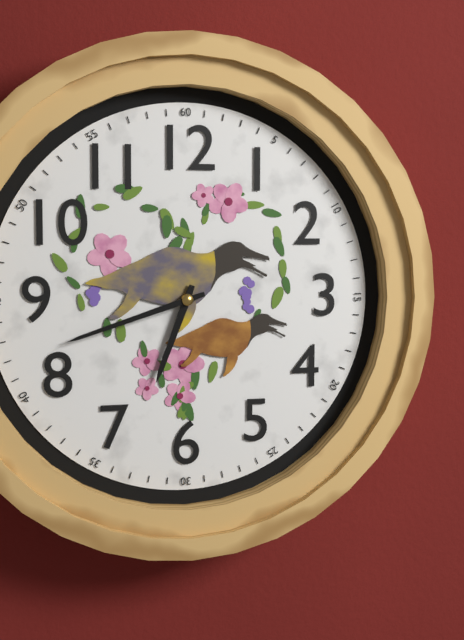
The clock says **6:42**
